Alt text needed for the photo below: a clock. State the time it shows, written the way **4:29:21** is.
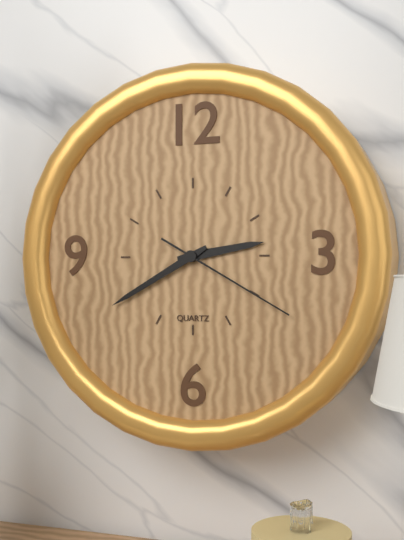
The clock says **2:40:20**
